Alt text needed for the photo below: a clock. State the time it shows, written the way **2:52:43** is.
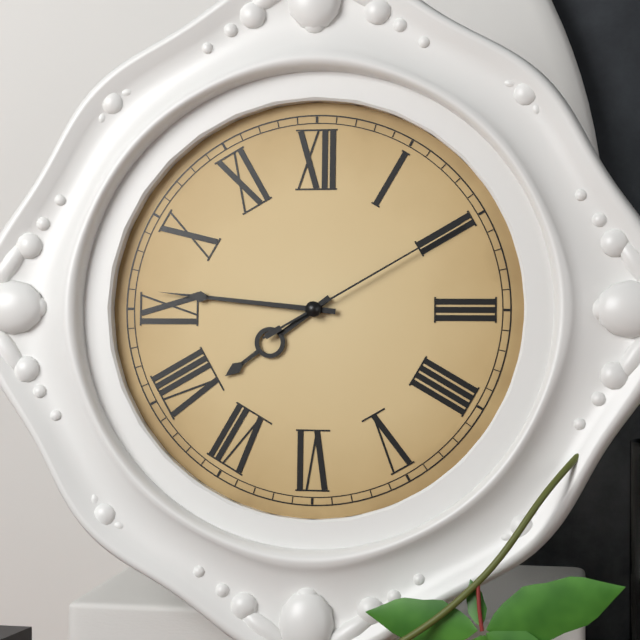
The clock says **7:46:10**
